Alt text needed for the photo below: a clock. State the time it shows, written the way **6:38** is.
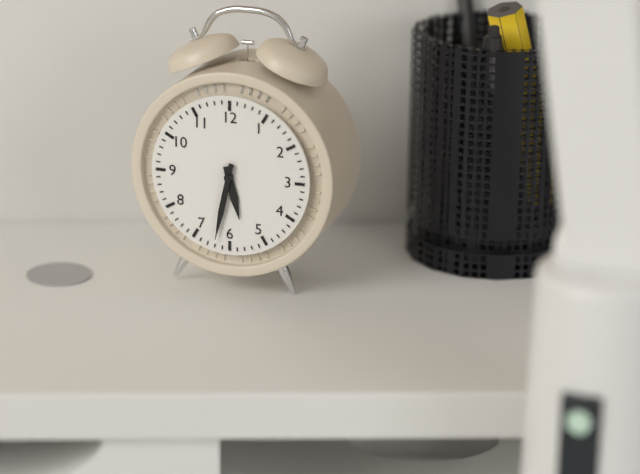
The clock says **5:32**
